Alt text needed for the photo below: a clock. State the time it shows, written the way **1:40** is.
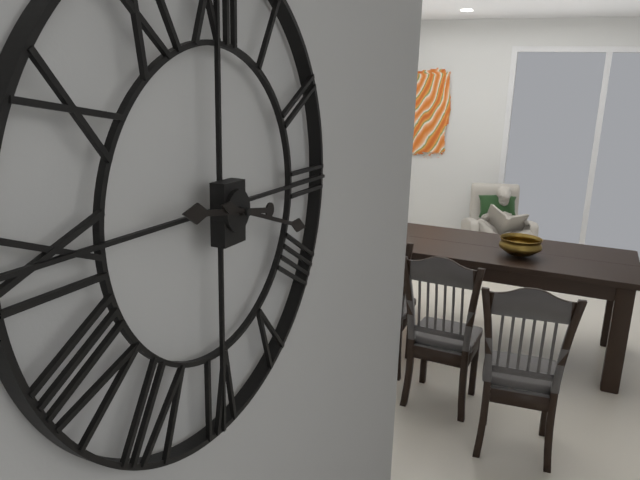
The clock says **9:18**
